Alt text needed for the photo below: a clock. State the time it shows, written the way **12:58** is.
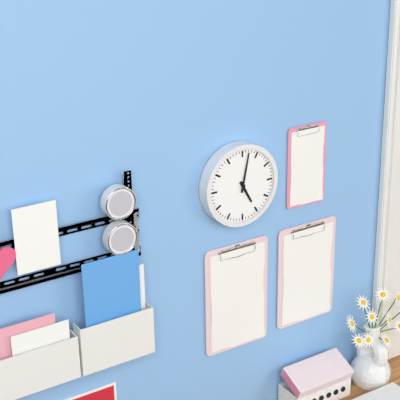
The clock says **5:02**
